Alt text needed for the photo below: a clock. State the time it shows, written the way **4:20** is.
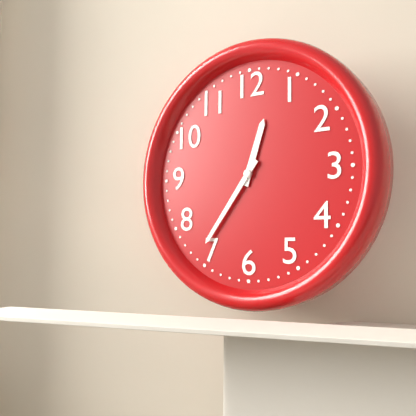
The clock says **12:36**
